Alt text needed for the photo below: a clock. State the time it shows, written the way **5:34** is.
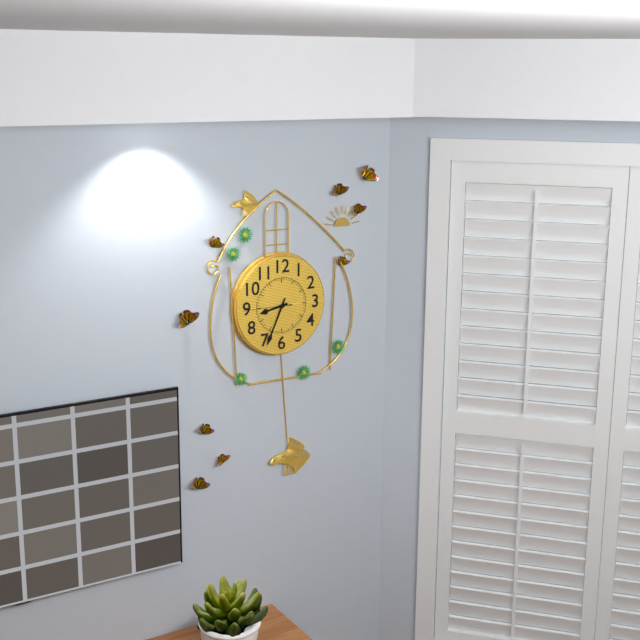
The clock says **8:34**
